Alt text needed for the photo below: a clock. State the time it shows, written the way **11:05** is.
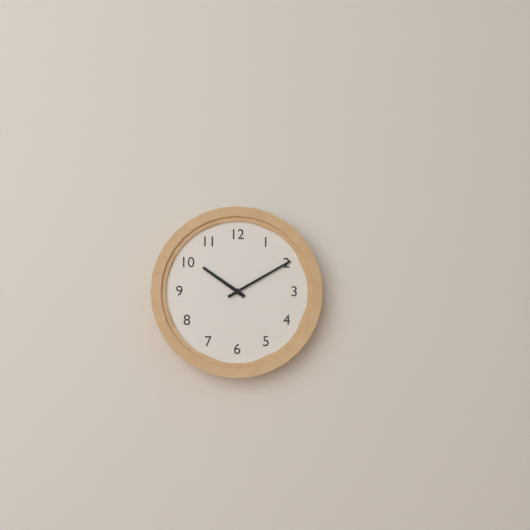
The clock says **10:10**
